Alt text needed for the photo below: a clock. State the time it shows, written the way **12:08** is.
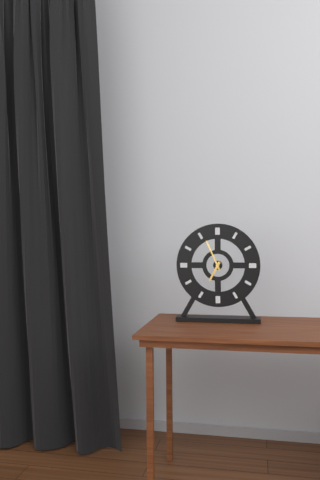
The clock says **6:56**
